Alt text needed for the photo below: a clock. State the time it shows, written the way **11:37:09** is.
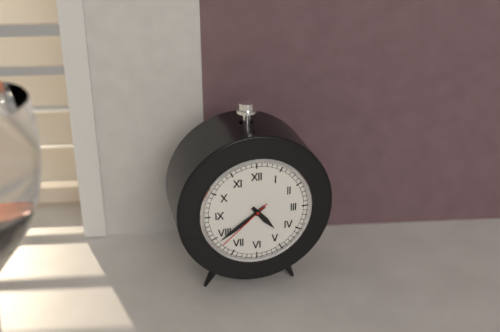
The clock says **4:39:38**
